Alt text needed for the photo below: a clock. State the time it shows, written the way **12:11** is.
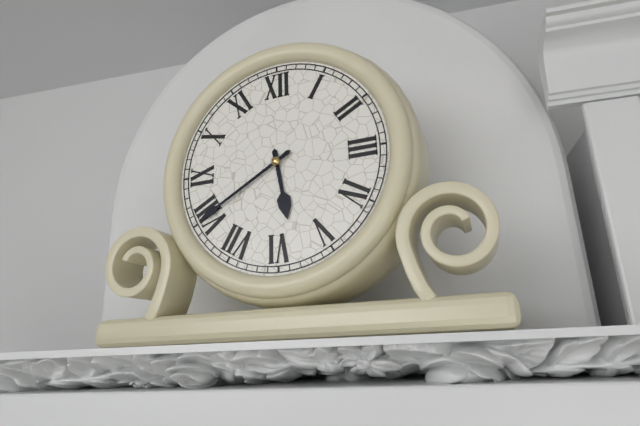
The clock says **5:40**
